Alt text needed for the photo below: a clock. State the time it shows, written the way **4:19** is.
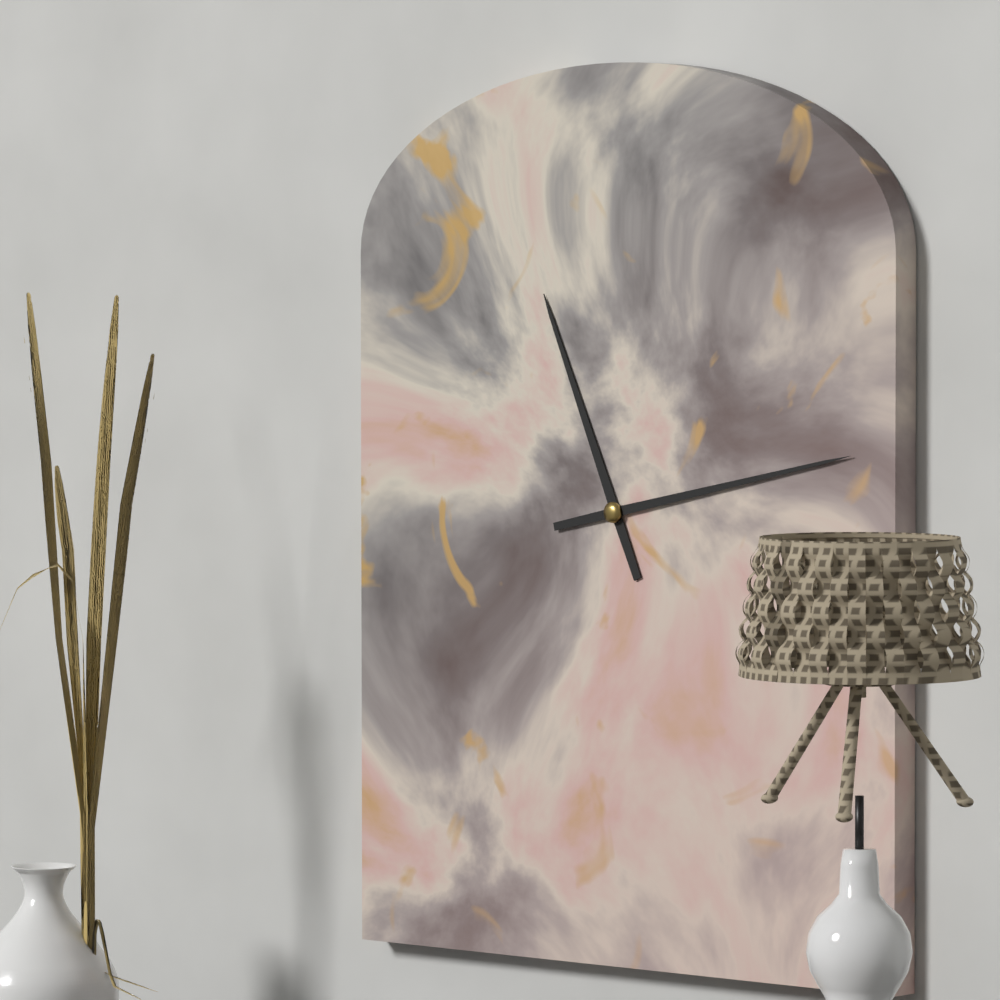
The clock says **11:13**
